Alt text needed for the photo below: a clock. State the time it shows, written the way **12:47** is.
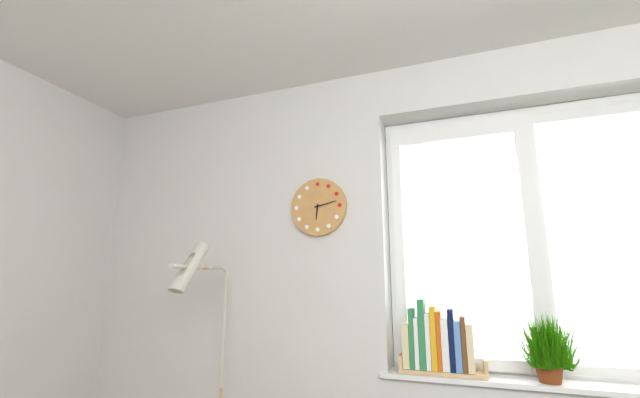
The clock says **6:13**
